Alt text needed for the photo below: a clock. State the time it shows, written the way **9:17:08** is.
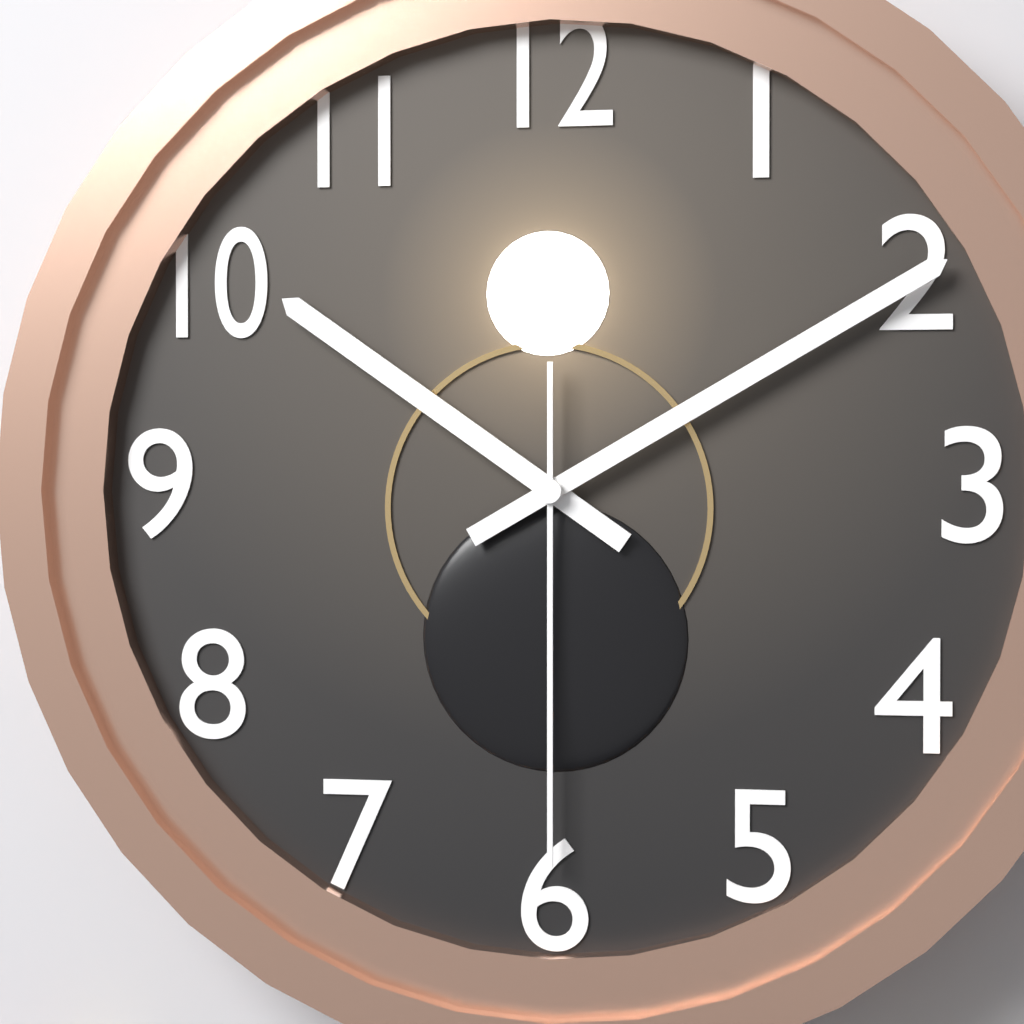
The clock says **10:10:30**
